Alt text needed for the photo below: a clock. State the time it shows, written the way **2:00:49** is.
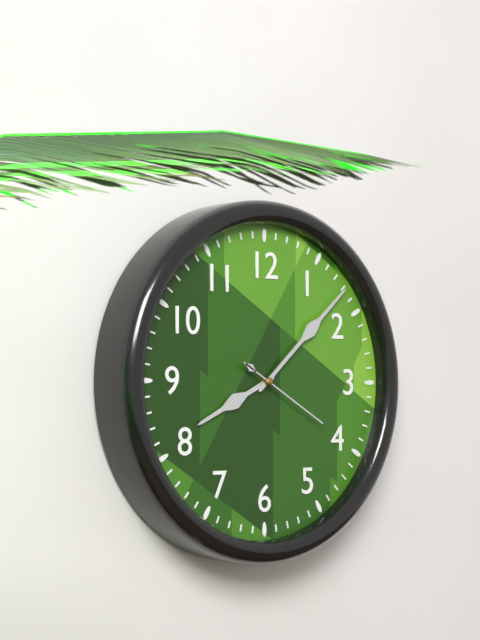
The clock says **8:08:20**
